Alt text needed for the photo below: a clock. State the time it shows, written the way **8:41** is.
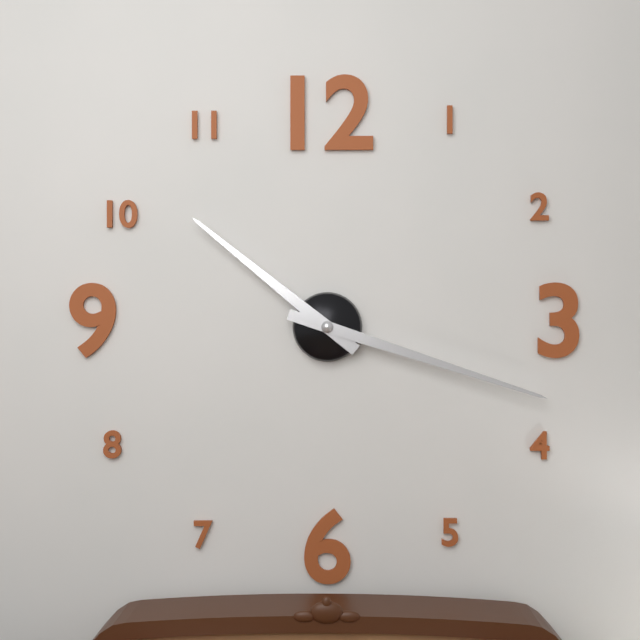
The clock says **10:18**
